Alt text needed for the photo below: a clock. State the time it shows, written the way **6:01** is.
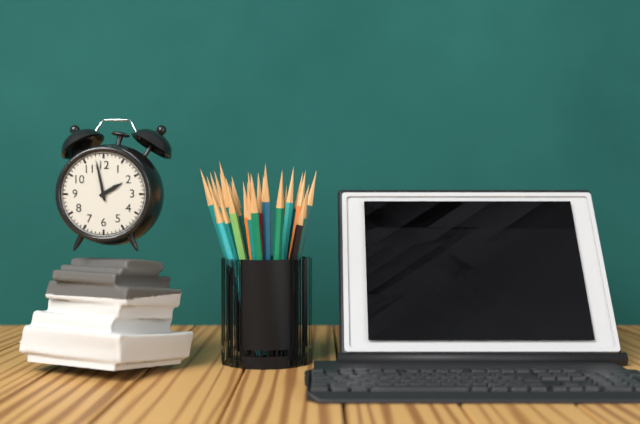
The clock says **1:58**
